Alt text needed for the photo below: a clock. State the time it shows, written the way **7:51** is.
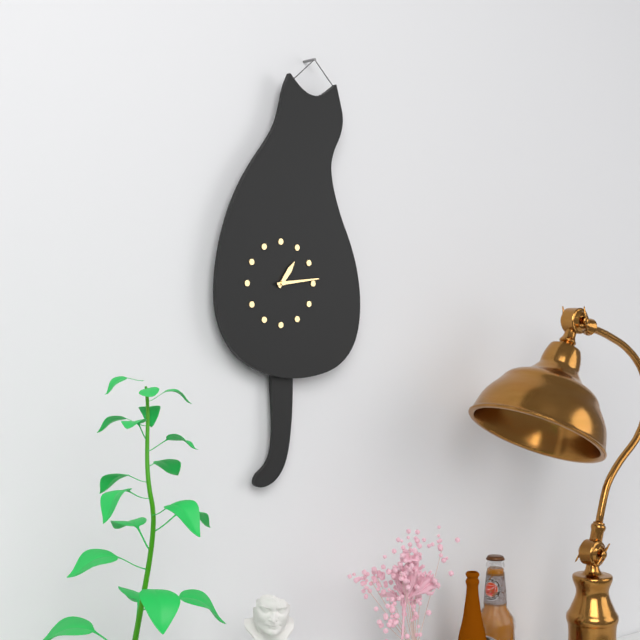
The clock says **1:14**
